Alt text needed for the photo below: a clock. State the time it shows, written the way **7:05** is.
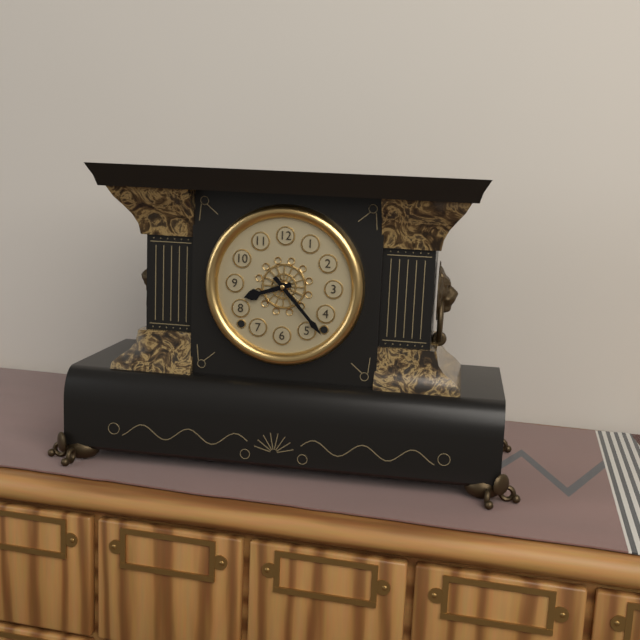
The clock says **8:23**
